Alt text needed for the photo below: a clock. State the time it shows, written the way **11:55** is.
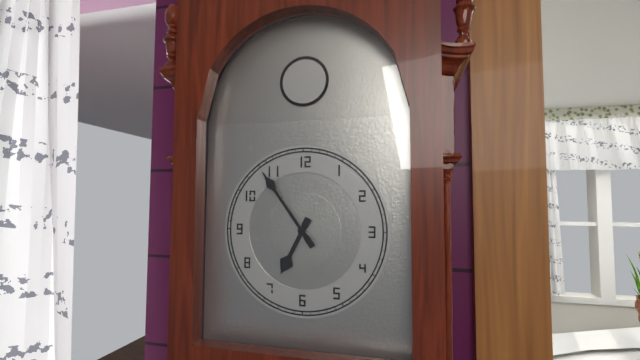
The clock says **6:54**
